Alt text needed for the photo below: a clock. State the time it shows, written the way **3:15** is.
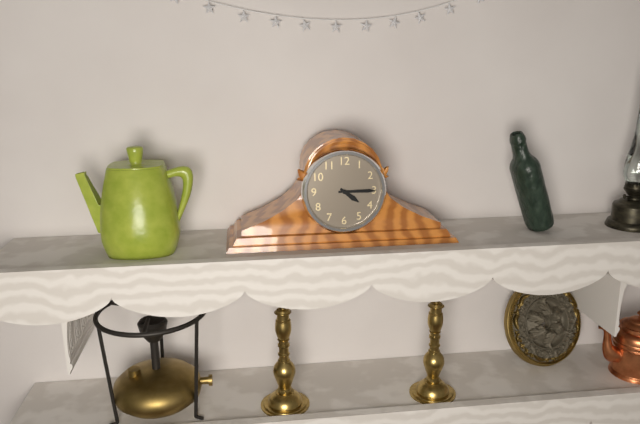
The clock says **4:15**
